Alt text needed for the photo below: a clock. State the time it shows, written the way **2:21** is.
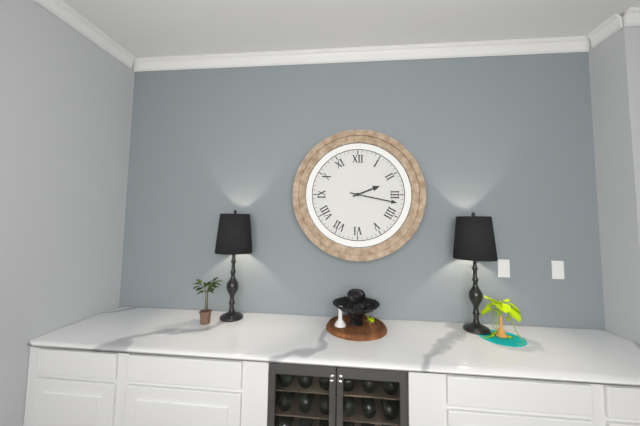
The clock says **2:17**
